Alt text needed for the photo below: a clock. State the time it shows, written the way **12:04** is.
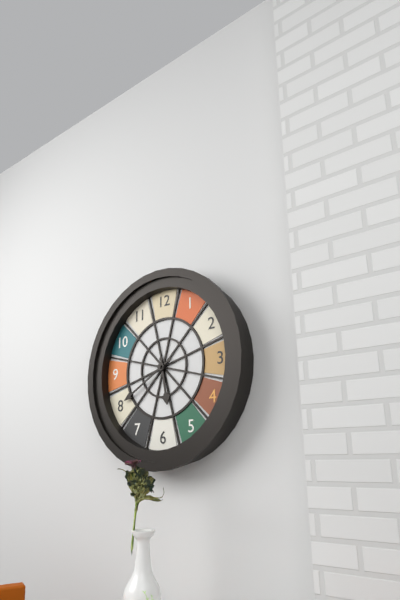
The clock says **5:40**
